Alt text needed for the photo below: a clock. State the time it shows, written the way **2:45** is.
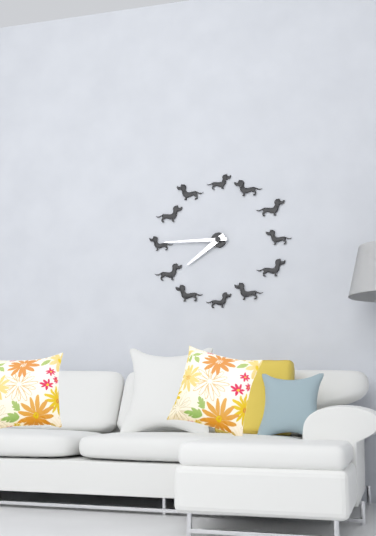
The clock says **7:45**
